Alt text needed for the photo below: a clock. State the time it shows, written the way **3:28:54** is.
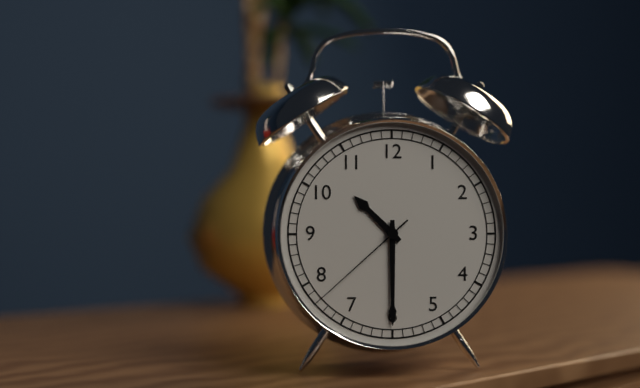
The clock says **10:30:38**
